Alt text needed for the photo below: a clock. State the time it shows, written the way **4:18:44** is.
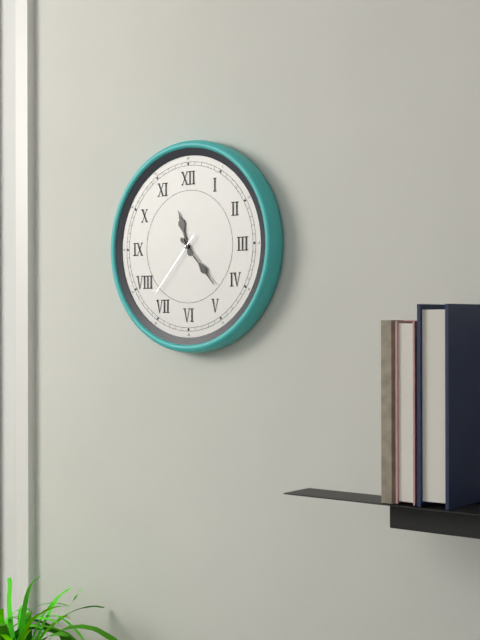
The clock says **11:23:37**
